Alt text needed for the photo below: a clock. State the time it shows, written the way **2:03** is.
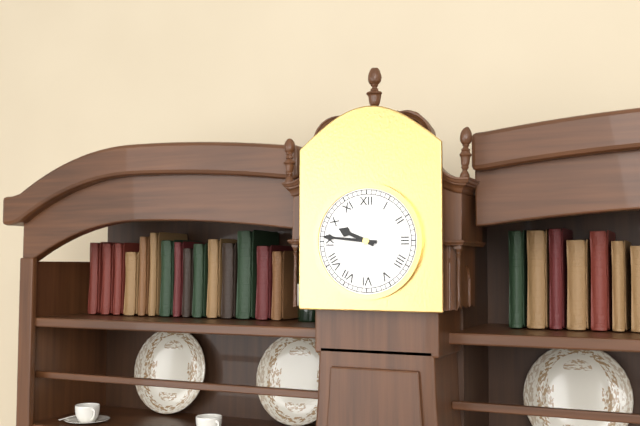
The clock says **9:46**
